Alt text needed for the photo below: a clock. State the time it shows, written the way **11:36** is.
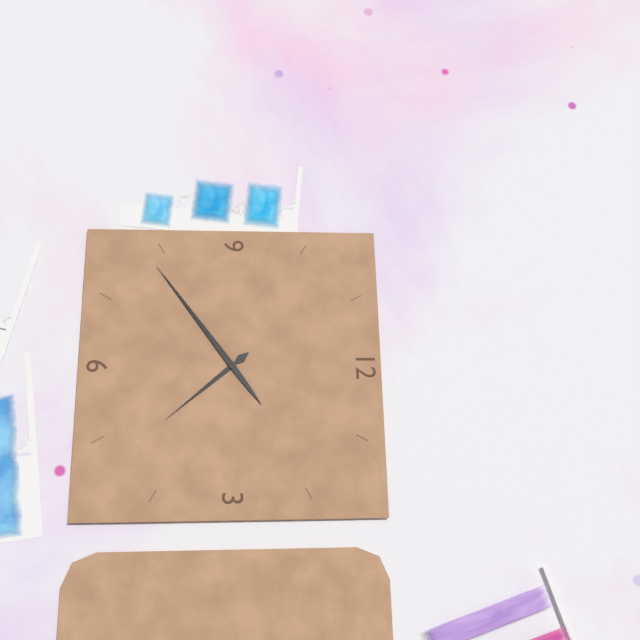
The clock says **4:39**
